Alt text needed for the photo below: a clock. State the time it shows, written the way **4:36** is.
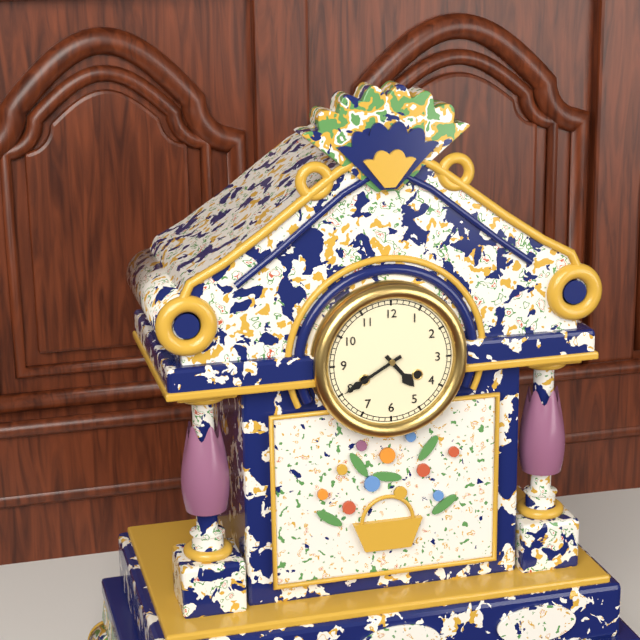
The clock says **4:40**
